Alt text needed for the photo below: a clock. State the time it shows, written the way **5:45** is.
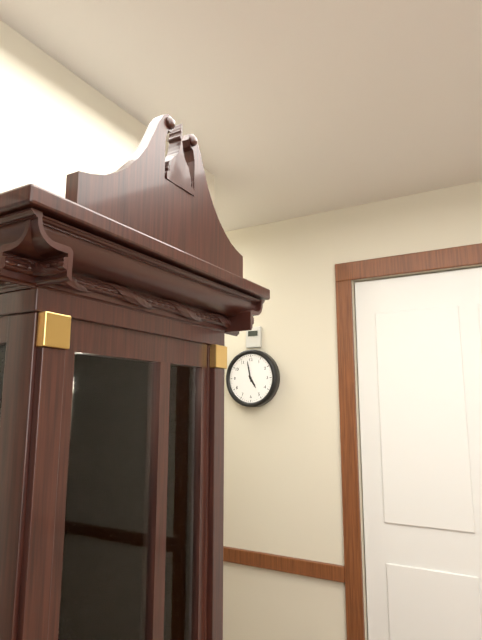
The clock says **4:58**
